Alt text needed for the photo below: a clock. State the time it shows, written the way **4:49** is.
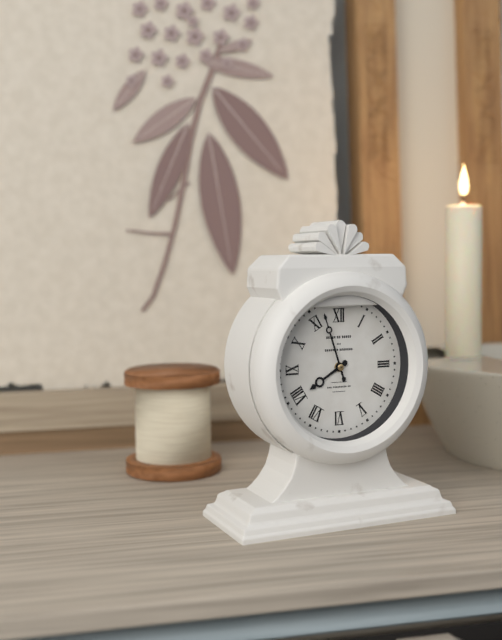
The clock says **7:57**
